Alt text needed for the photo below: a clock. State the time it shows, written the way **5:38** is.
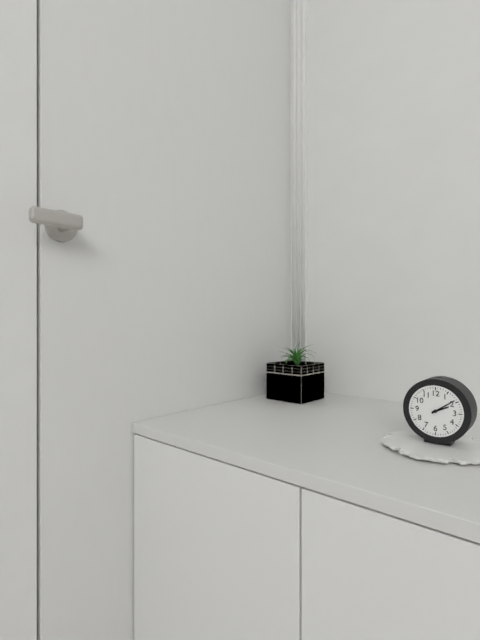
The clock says **2:09**
